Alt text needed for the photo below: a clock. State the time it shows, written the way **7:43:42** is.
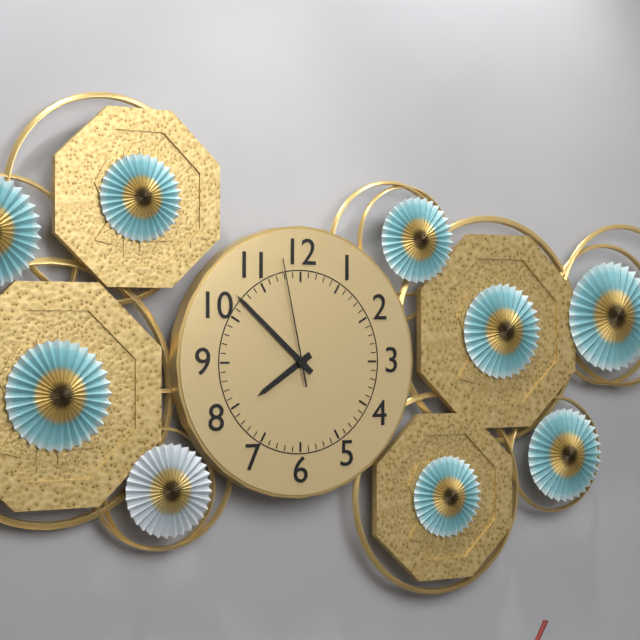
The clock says **7:52:58**
